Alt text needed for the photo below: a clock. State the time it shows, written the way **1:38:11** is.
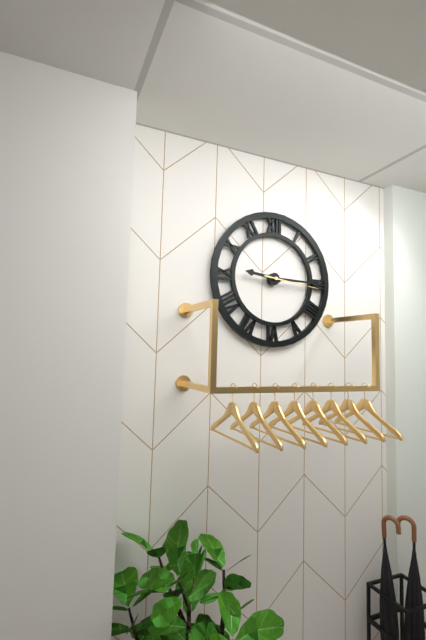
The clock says **9:15:16**
